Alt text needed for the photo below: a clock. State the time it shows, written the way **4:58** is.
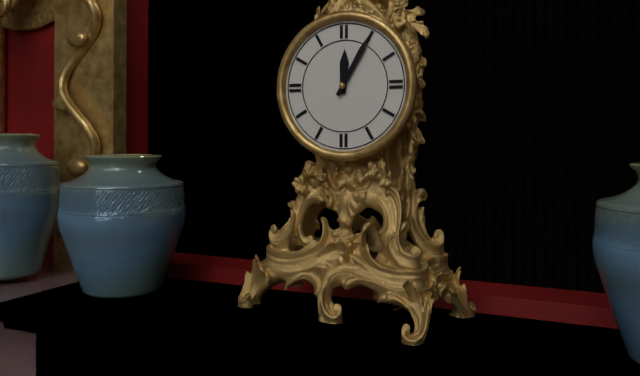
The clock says **12:05**
